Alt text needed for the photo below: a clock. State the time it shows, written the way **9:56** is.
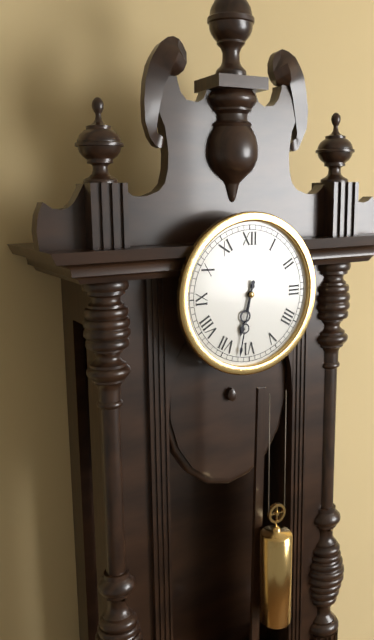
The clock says **6:32**
